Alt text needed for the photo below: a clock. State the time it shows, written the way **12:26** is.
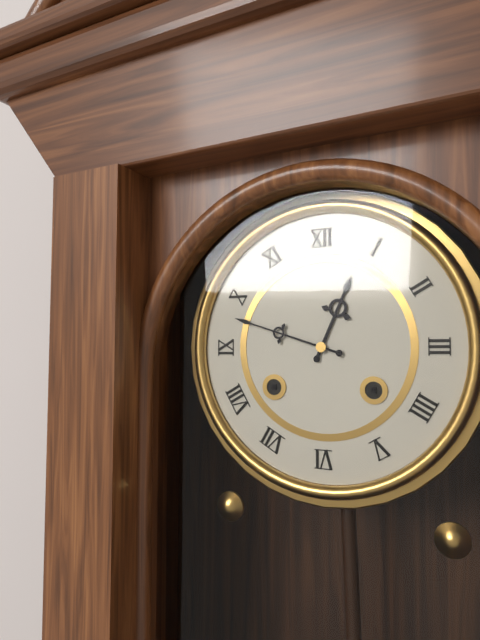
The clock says **12:48**
